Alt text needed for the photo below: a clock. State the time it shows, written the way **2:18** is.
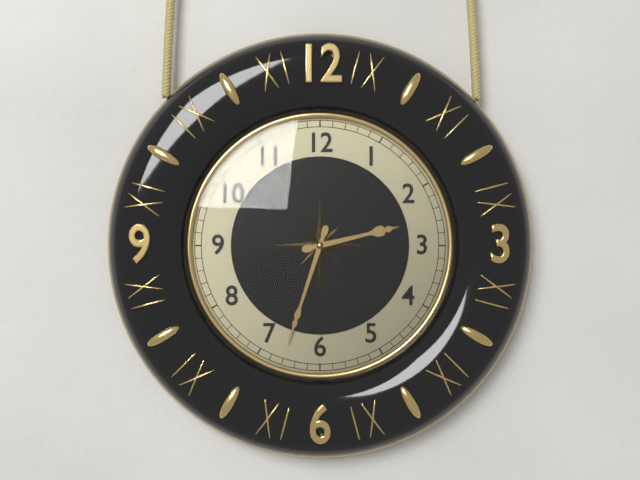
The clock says **2:33**
